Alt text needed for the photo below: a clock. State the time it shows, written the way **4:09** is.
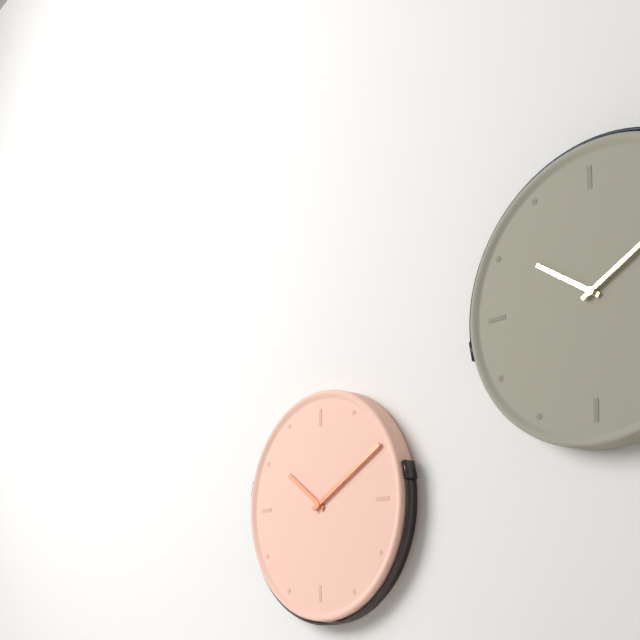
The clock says **10:10**
